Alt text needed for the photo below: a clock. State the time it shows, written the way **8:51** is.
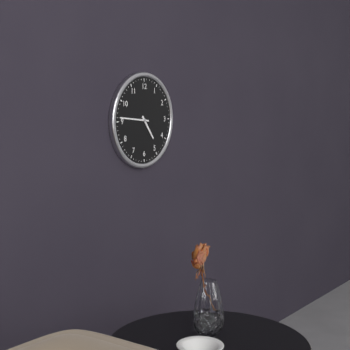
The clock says **4:46**
